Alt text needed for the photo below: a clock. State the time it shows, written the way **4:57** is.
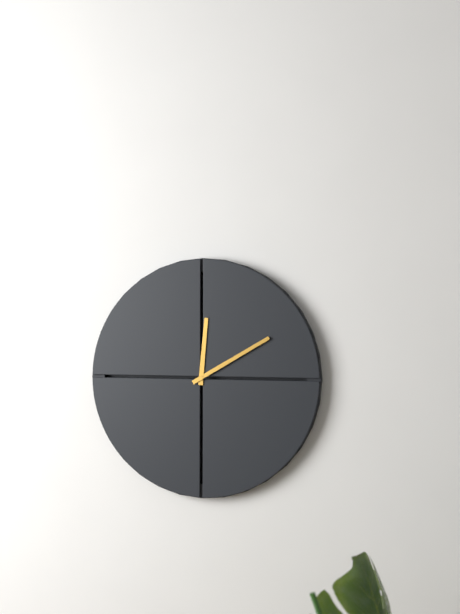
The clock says **12:10**
